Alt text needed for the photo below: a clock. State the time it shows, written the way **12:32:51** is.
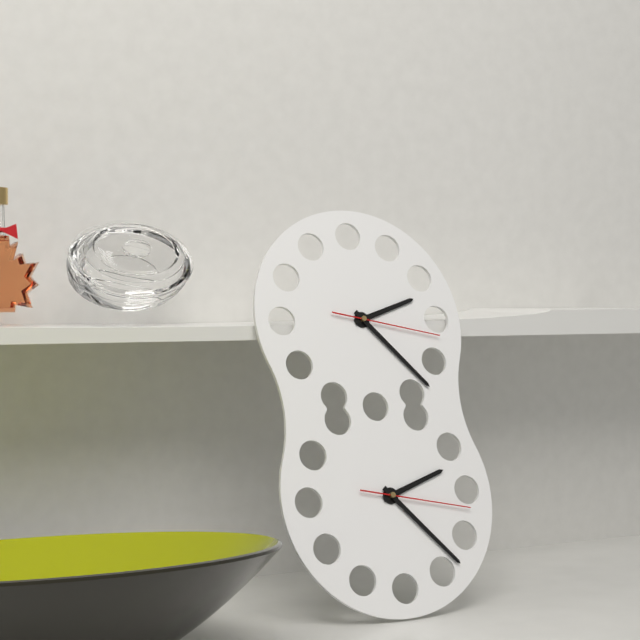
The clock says **2:23:17**
